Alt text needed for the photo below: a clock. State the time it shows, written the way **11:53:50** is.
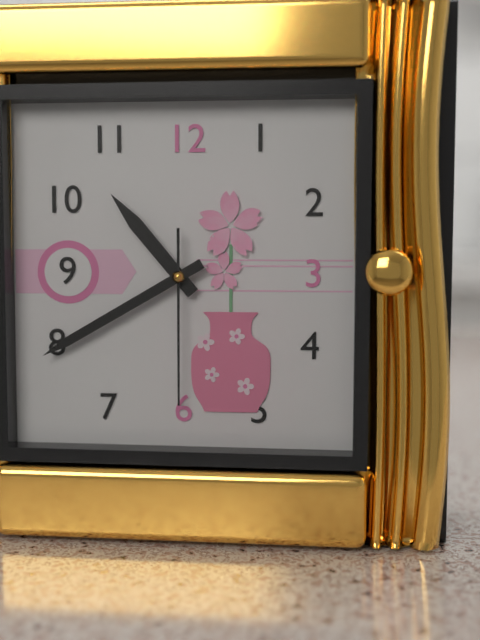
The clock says **10:40:30**
